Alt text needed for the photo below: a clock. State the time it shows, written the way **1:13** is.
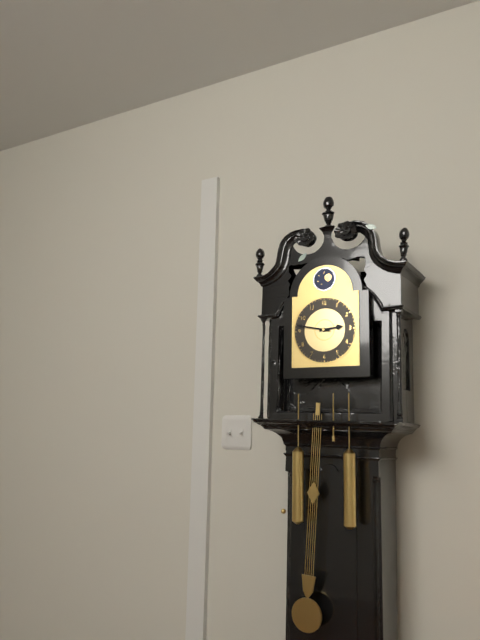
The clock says **2:47**
